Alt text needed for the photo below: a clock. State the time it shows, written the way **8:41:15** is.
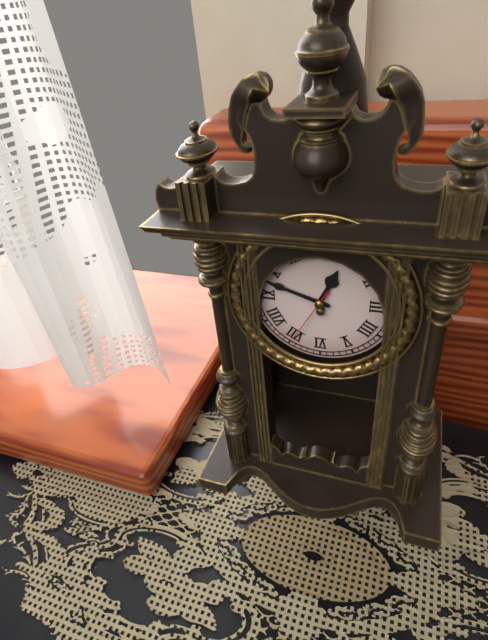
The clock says **12:48:35**
